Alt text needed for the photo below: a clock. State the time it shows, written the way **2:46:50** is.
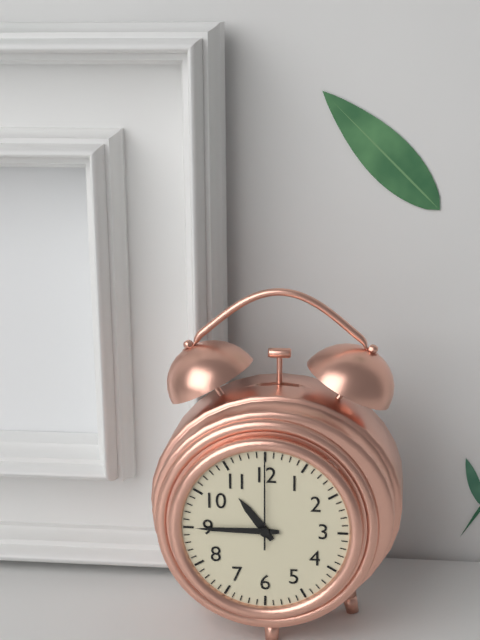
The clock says **10:45:00**
